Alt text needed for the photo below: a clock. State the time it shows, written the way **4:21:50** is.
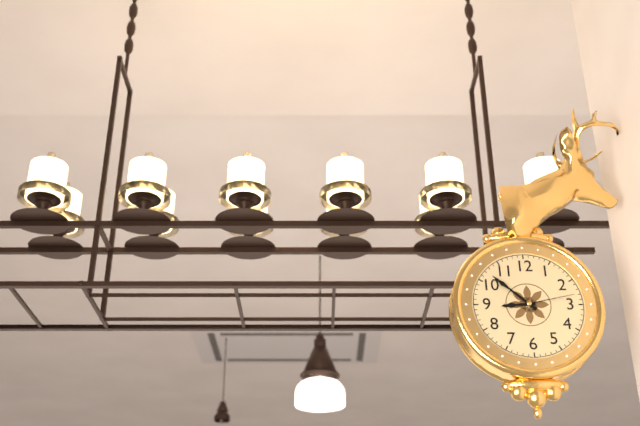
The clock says **8:52:13**
